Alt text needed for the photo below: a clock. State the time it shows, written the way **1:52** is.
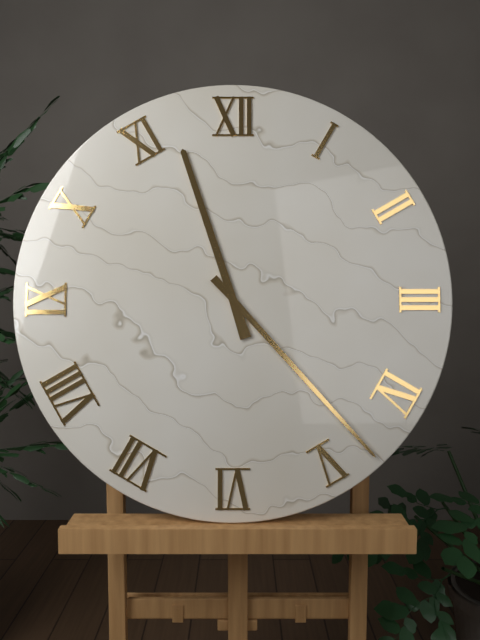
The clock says **11:23**
